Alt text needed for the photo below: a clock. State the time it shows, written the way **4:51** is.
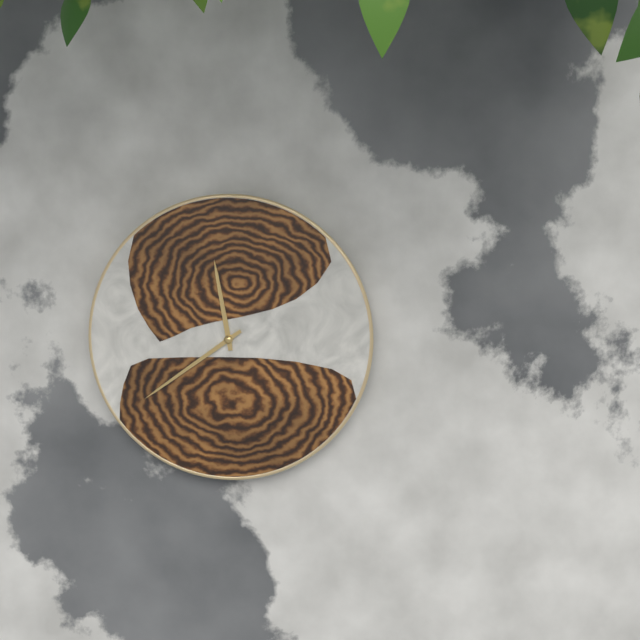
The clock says **11:39**
